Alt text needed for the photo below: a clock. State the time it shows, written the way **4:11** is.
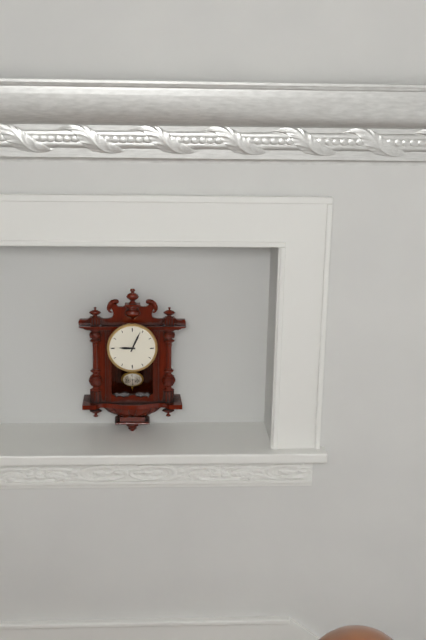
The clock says **9:04**
